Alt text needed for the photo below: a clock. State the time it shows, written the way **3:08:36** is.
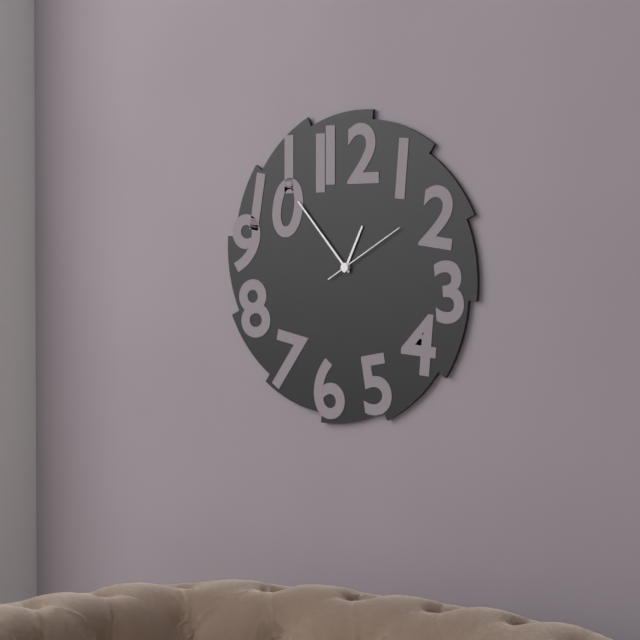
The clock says **12:53:10**
